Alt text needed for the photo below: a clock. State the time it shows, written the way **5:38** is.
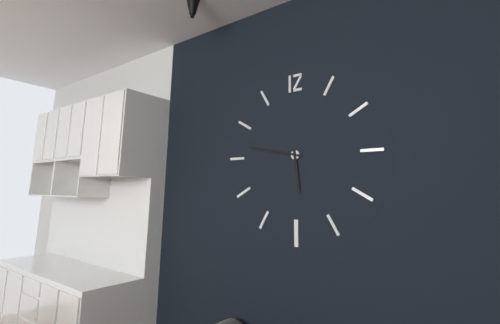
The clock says **5:47**
